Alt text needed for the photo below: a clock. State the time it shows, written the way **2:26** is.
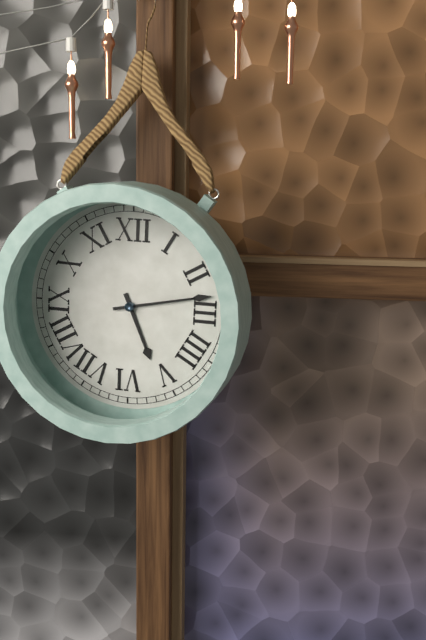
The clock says **5:13**
